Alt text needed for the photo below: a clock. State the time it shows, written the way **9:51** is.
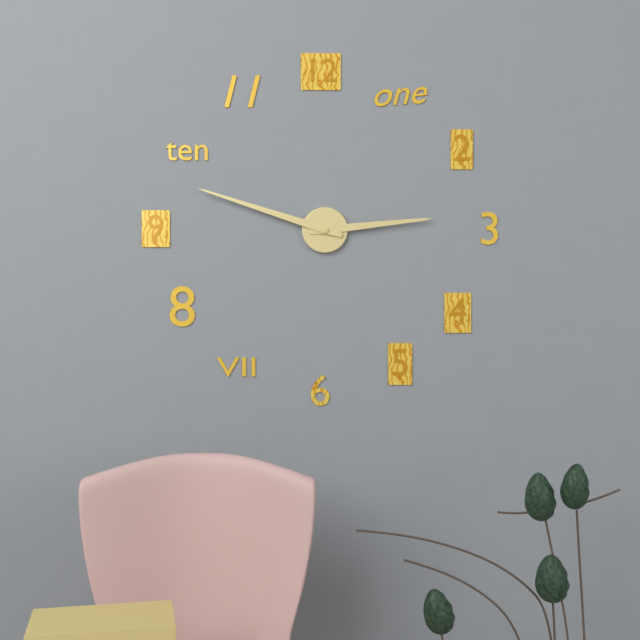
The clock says **2:48**
